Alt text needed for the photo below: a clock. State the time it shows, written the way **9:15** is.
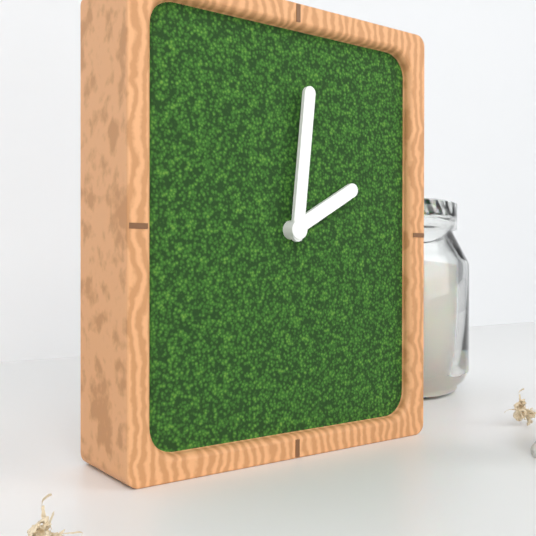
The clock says **2:01**
